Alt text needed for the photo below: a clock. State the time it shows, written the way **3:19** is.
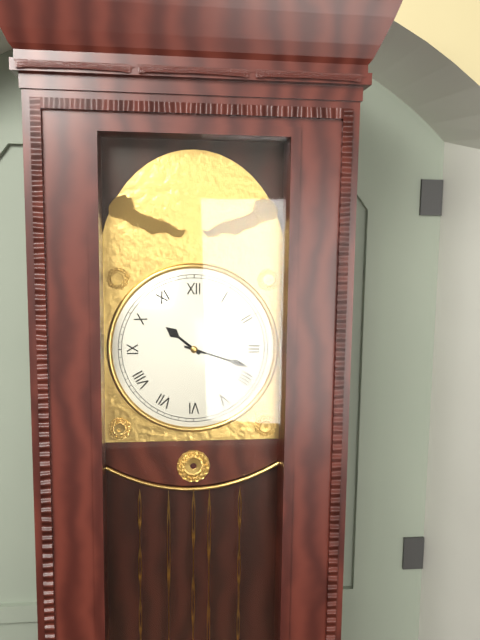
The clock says **10:18**
